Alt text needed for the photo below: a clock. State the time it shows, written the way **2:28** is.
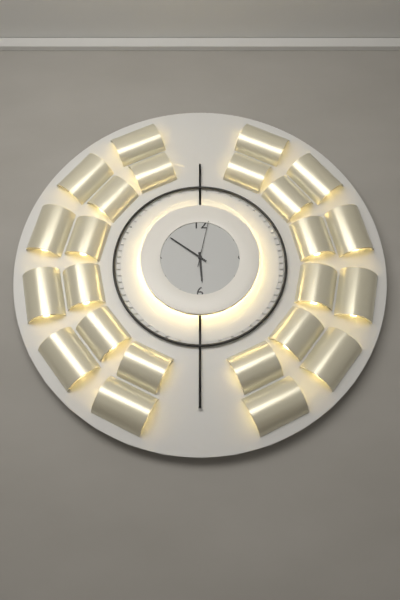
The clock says **5:51**
